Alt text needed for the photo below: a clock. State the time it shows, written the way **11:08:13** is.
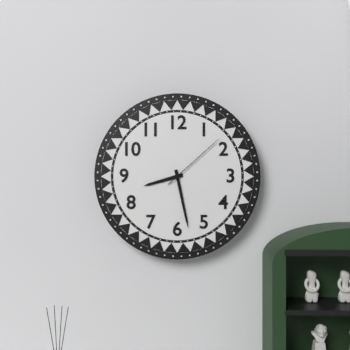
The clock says **8:28:08**
